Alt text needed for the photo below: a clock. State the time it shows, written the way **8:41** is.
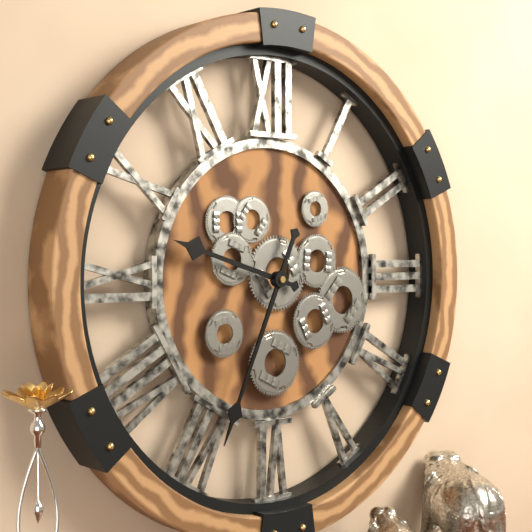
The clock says **9:34**
